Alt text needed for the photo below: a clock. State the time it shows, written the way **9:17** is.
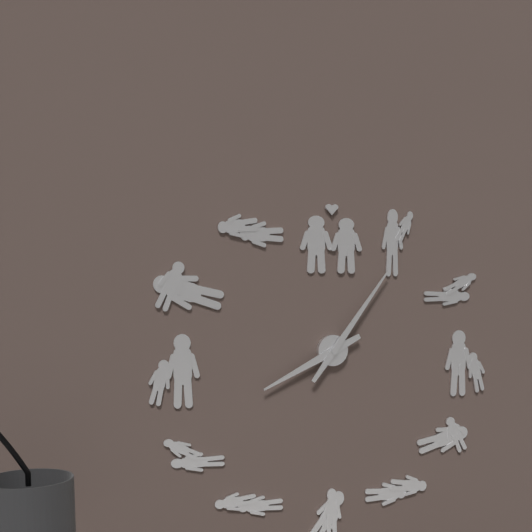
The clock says **8:06**
